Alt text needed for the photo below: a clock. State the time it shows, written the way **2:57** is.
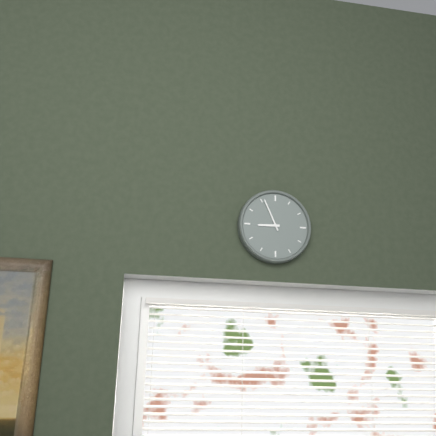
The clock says **8:56**
